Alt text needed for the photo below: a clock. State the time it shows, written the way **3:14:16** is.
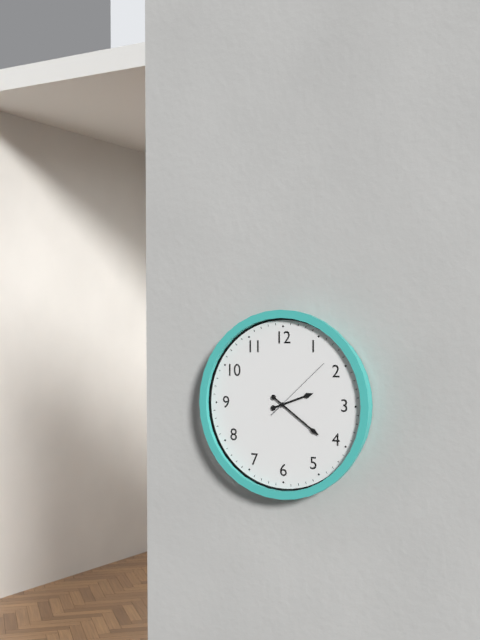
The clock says **2:21:08**
